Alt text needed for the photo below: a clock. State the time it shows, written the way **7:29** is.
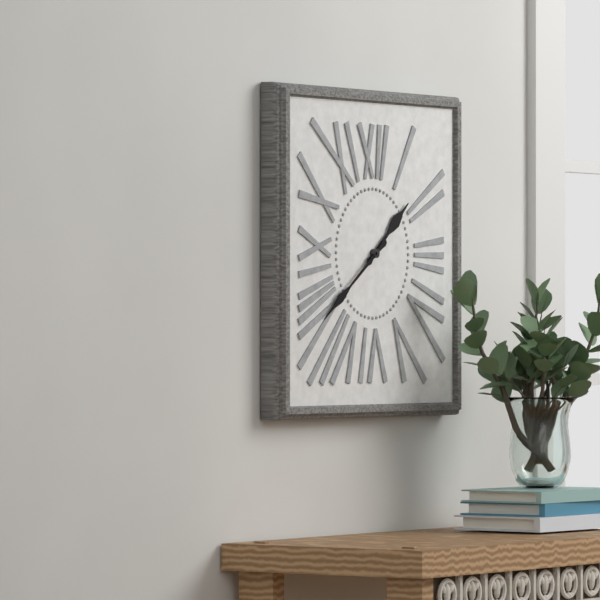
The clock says **1:39**
